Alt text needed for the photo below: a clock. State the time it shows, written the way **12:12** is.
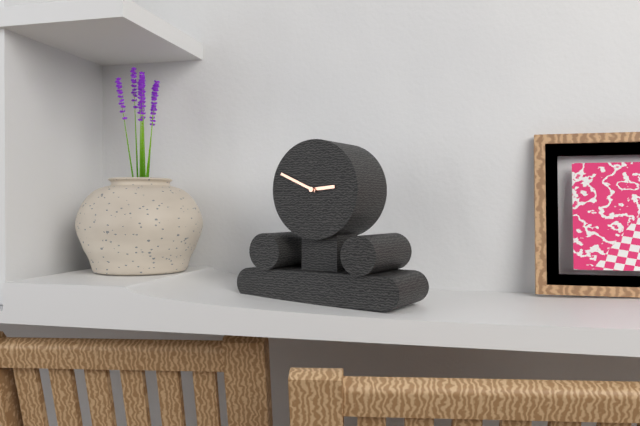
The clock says **2:49**
